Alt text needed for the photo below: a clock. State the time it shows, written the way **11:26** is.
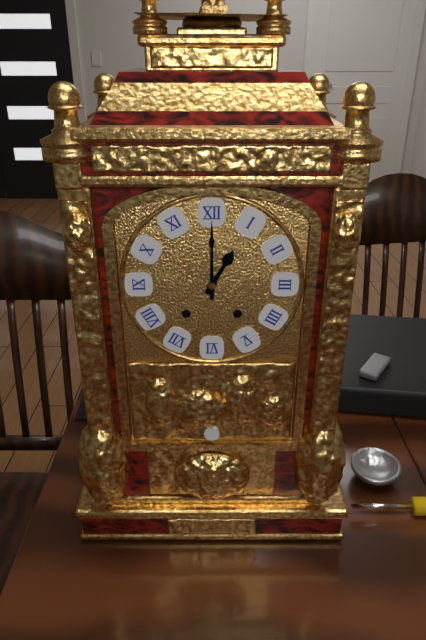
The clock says **1:00**
